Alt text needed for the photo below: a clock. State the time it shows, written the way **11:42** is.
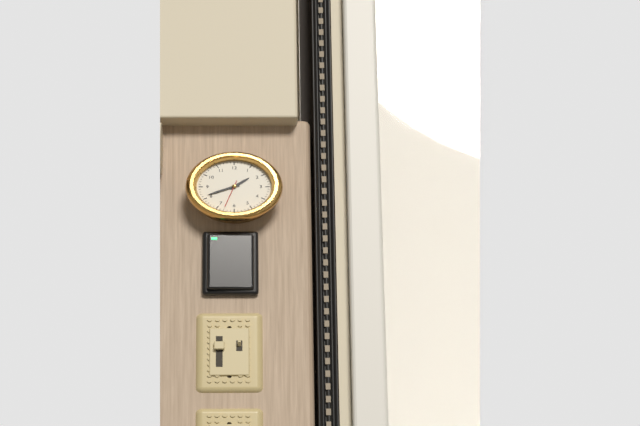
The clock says **1:41**
